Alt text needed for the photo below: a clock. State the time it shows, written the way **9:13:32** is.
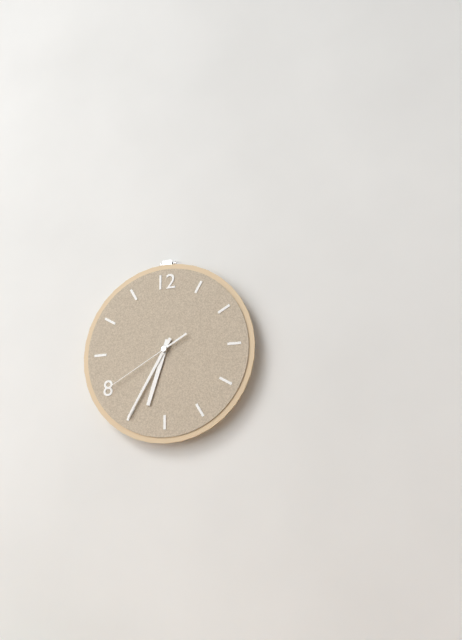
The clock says **6:35:40**
